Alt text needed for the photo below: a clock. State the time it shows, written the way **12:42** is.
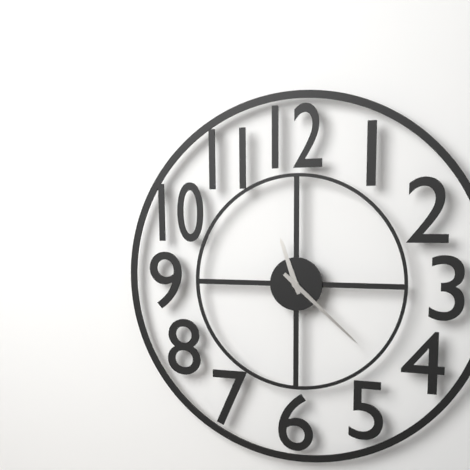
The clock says **11:22**
